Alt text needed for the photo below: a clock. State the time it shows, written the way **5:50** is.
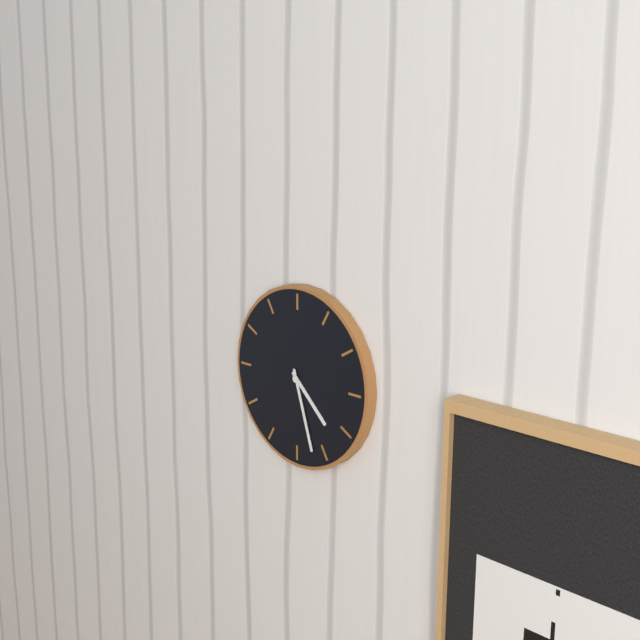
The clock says **4:27**
